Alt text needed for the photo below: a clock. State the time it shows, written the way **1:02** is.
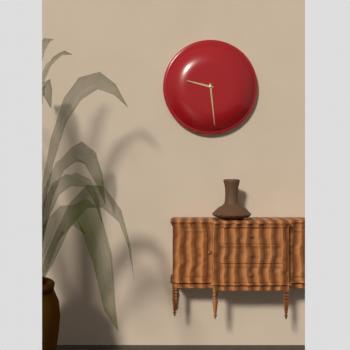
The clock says **9:29**
